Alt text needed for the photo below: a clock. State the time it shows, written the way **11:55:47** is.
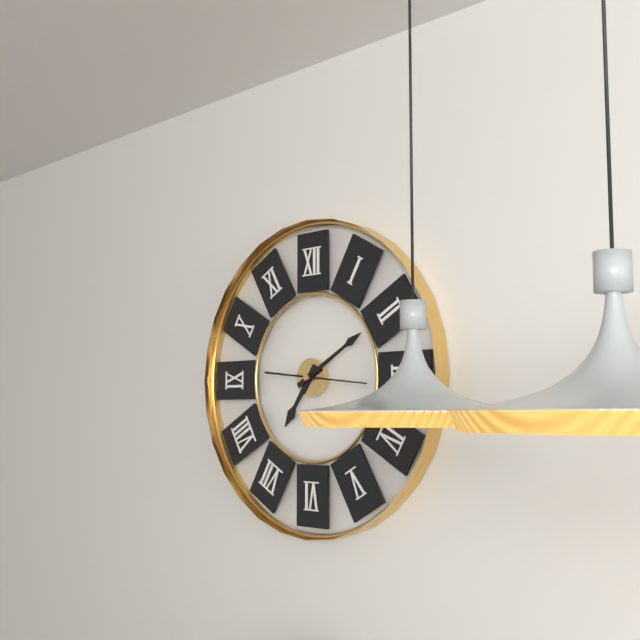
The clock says **7:10:16**
